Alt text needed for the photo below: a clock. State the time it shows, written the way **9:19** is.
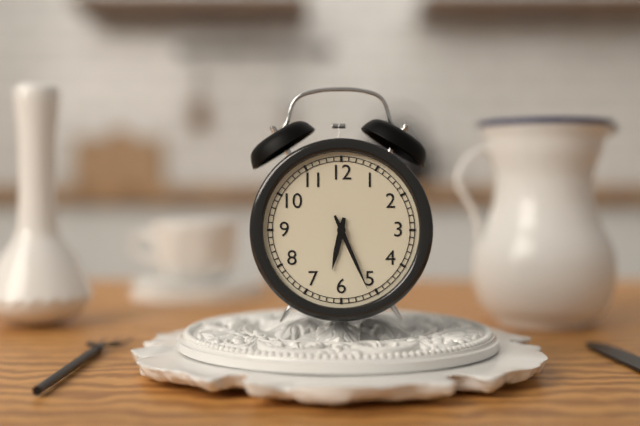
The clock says **6:26**
